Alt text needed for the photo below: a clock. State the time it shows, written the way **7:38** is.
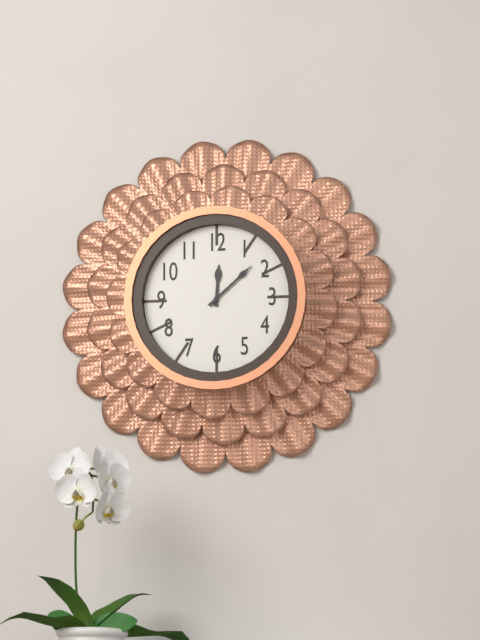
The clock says **12:08**
